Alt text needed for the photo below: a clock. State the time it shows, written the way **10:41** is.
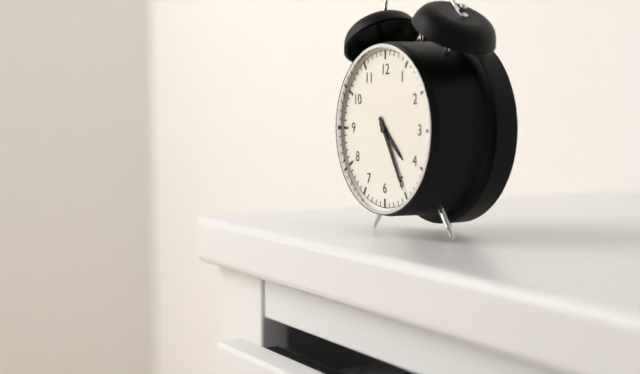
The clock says **4:25**
